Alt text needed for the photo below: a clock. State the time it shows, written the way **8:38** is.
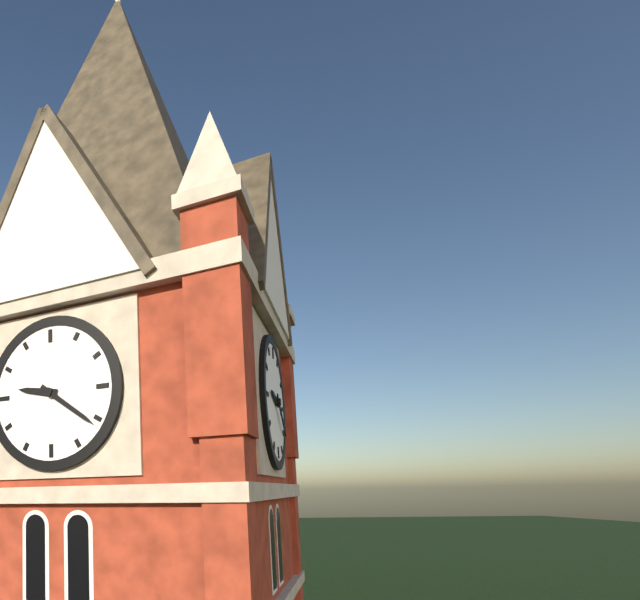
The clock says **9:21**
